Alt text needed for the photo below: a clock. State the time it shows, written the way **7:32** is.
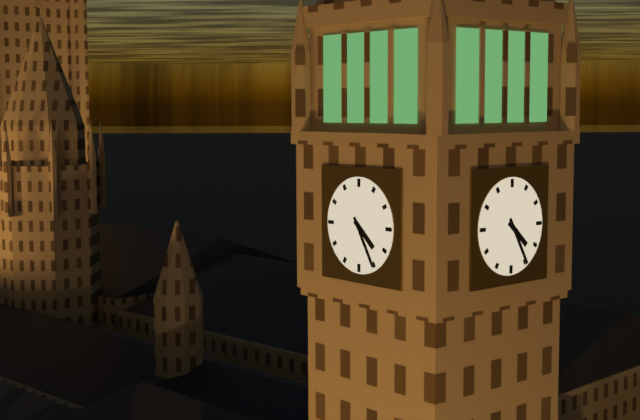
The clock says **4:25**
